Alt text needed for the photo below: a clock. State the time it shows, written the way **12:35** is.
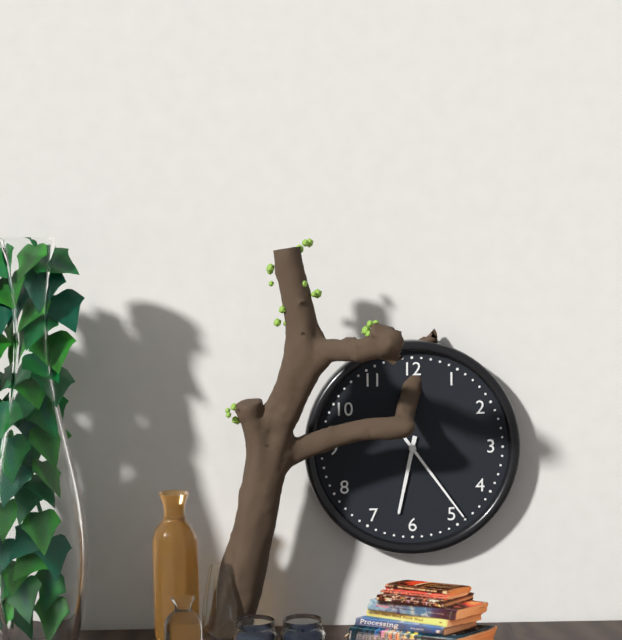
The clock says **6:24**
